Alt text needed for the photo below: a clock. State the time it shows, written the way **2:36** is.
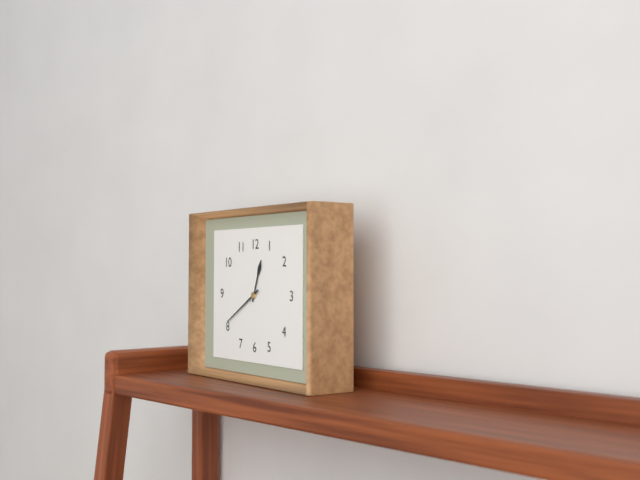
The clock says **12:40**
